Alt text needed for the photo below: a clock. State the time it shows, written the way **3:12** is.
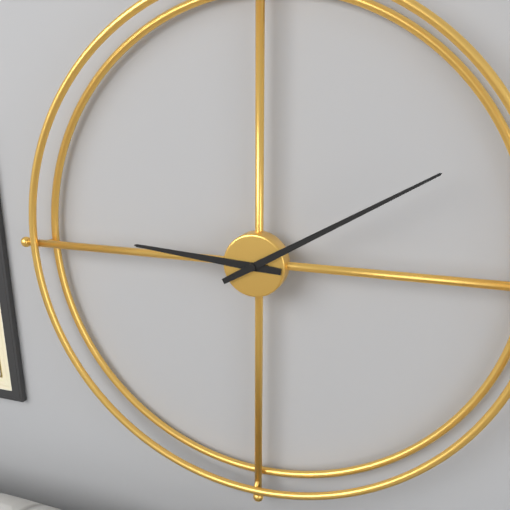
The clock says **9:10**
